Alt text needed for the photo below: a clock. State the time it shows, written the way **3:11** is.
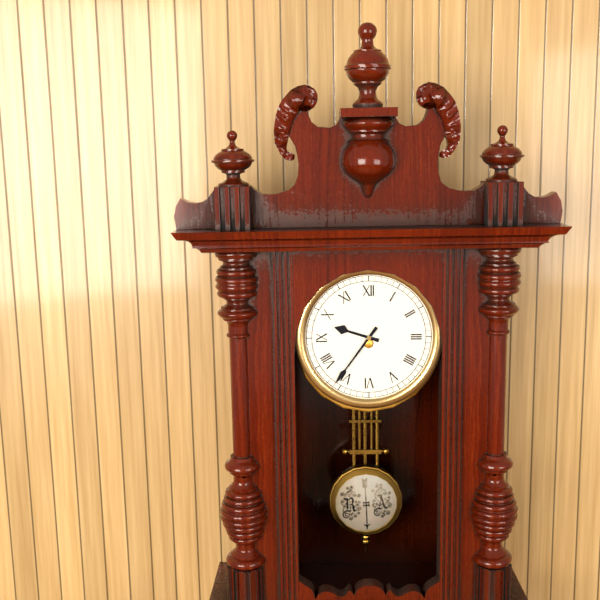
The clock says **9:36**
